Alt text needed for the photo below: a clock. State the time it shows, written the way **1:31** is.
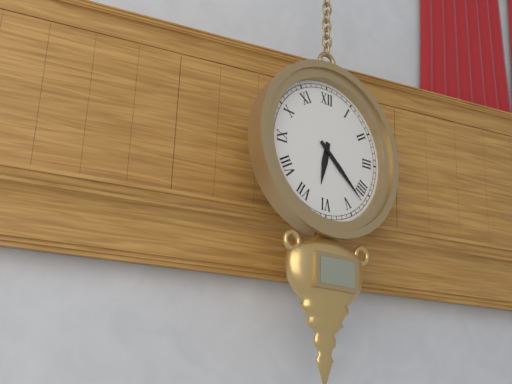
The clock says **6:22**
